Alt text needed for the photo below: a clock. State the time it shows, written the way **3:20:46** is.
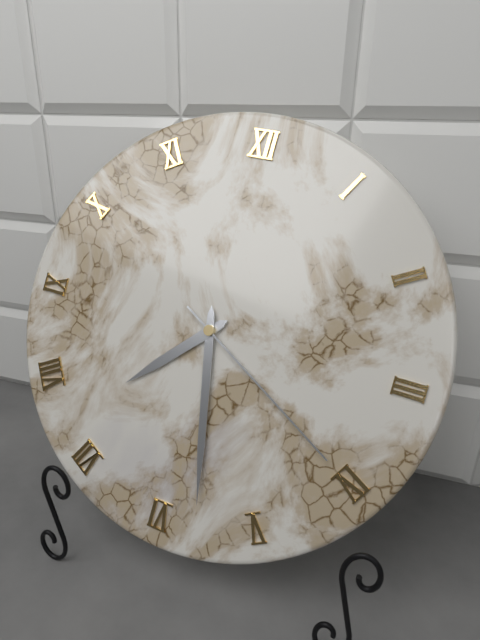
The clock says **7:28:20**
